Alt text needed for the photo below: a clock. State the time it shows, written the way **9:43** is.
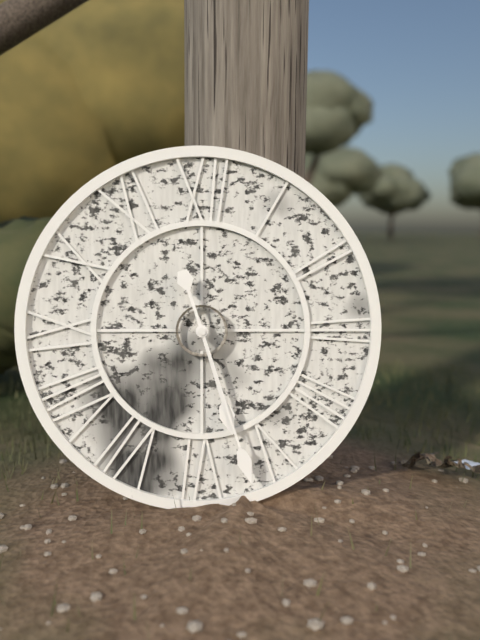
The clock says **5:27**
